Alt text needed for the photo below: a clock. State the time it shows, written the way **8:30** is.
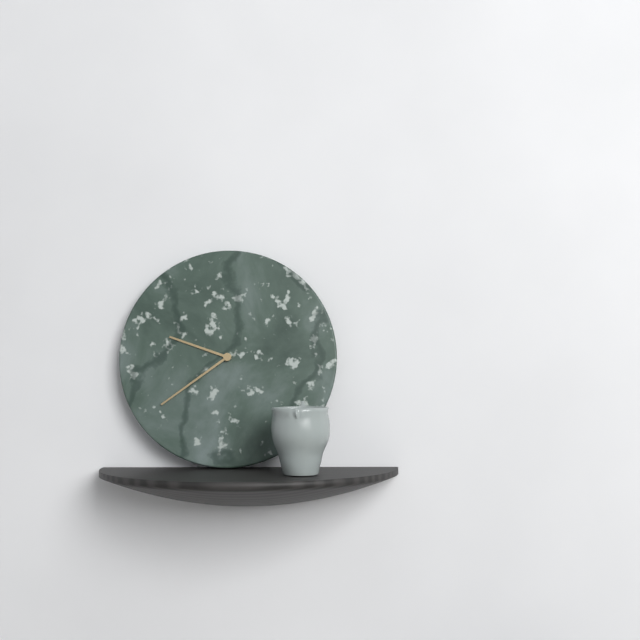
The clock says **9:39**
